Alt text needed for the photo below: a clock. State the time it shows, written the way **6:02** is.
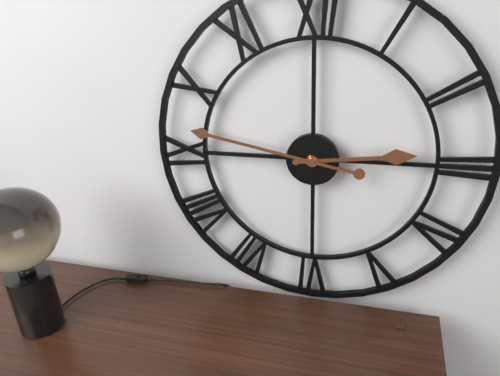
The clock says **2:47**
